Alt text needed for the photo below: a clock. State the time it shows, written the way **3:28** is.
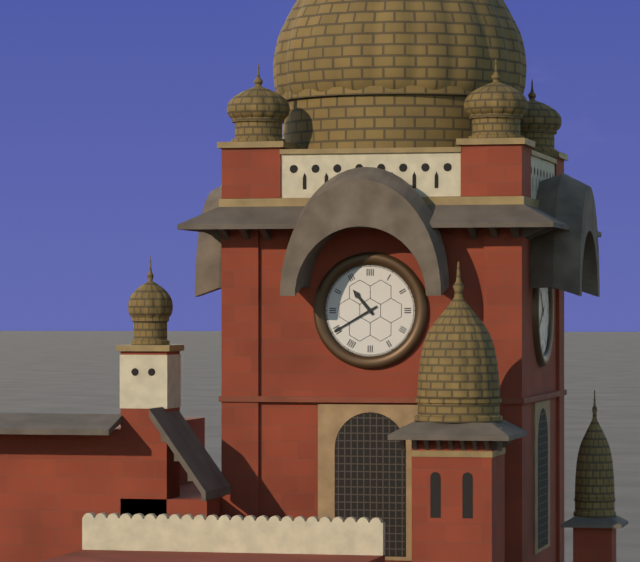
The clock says **10:40**
